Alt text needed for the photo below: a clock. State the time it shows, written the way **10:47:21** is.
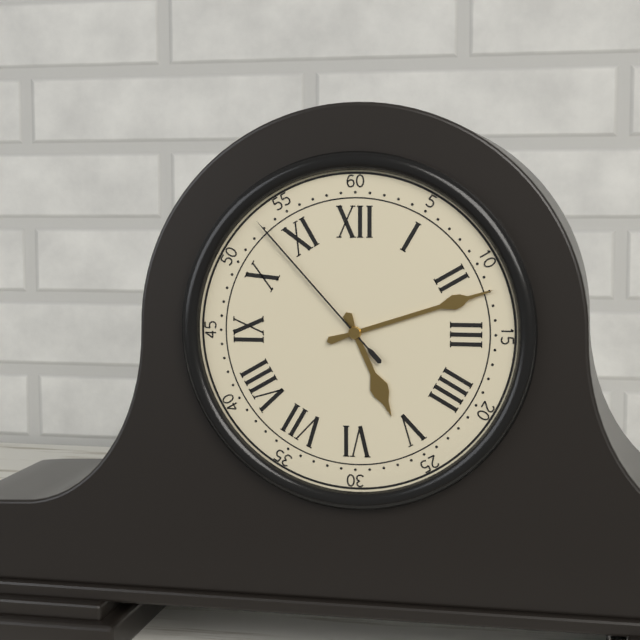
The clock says **5:12:53**
